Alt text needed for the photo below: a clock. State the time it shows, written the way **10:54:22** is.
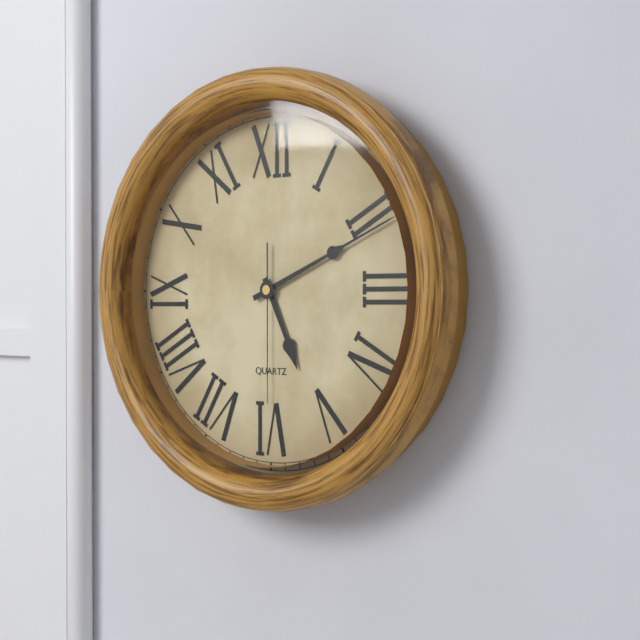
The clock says **5:11:30**
